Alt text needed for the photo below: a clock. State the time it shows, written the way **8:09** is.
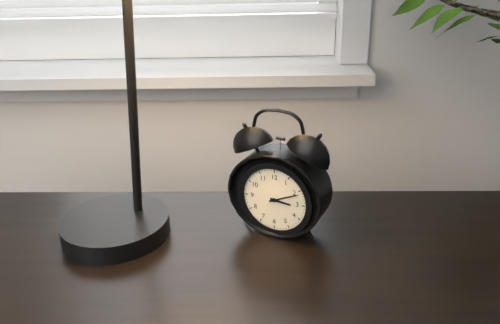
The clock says **3:11**
